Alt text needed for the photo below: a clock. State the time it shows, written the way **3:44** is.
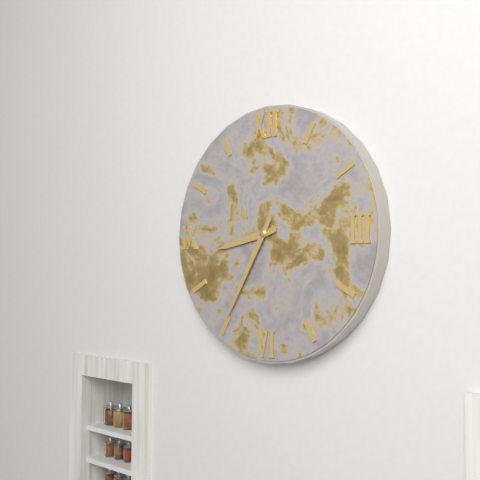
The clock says **8:35**
